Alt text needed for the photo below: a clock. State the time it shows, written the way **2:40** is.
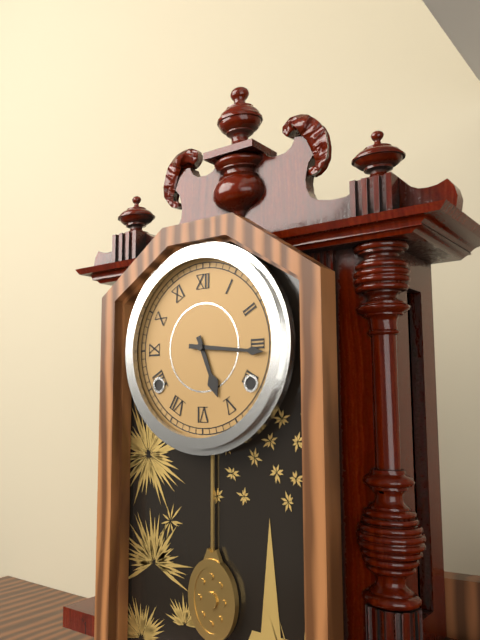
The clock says **5:16**
